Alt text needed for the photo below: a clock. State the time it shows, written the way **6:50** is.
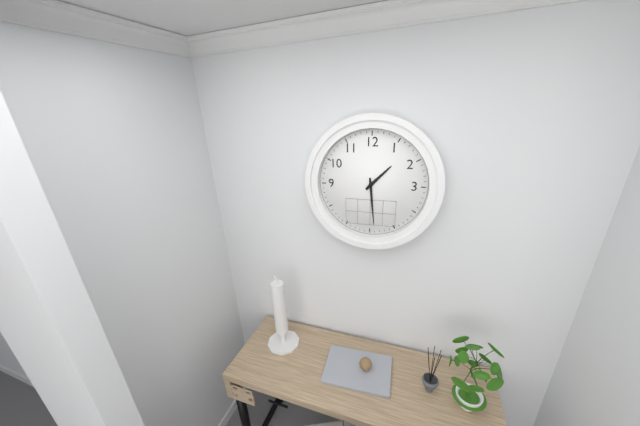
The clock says **1:29**
